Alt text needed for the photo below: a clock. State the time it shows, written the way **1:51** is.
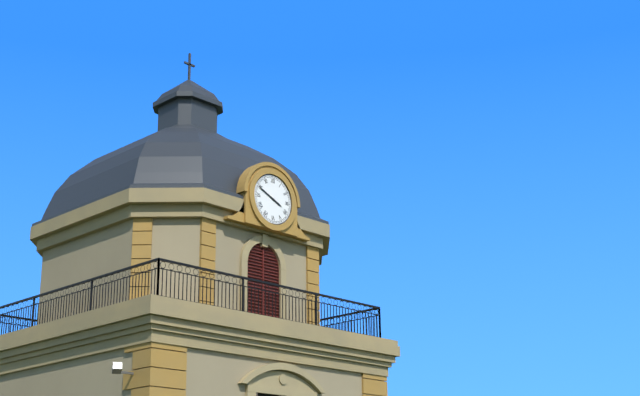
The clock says **3:49**
